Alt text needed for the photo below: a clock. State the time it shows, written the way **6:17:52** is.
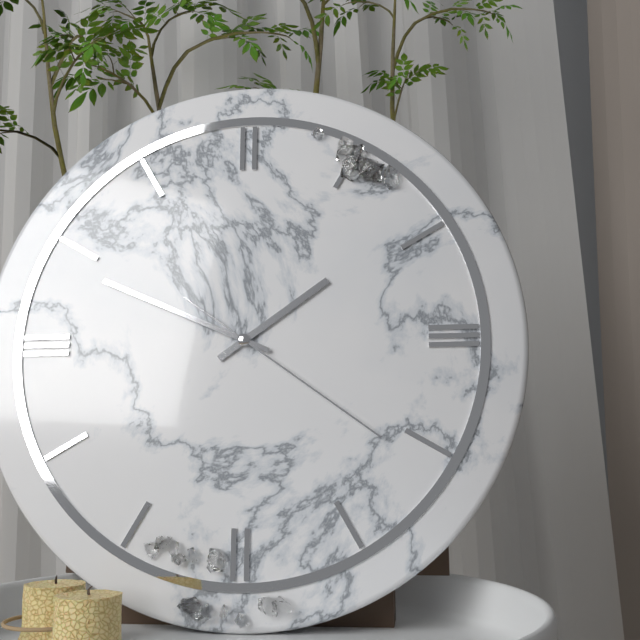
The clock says **1:49:21**
